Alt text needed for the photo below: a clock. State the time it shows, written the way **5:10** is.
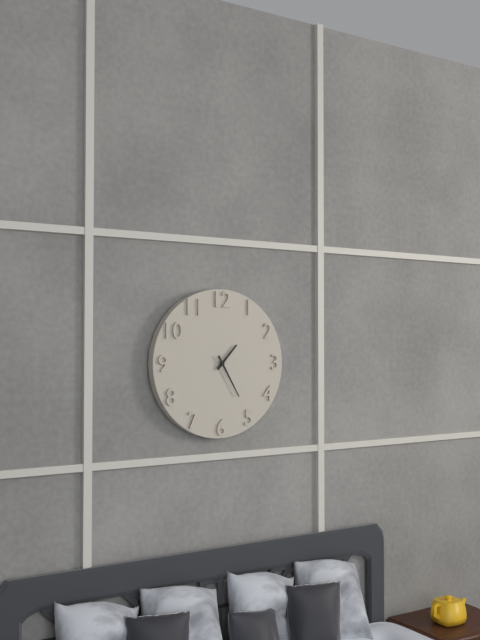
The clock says **1:25**
